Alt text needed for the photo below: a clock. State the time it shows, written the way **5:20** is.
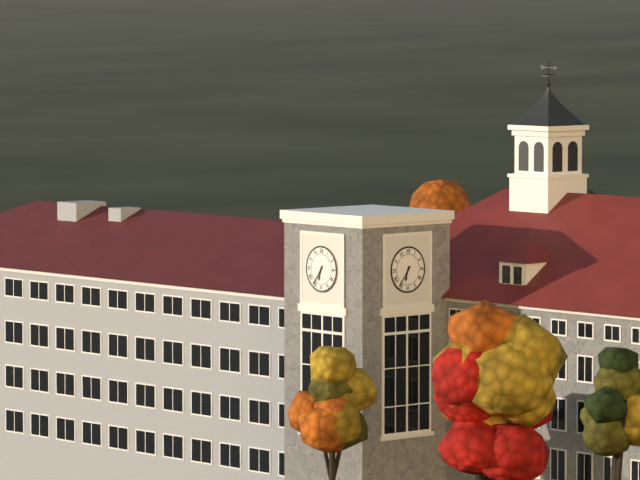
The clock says **6:36**
